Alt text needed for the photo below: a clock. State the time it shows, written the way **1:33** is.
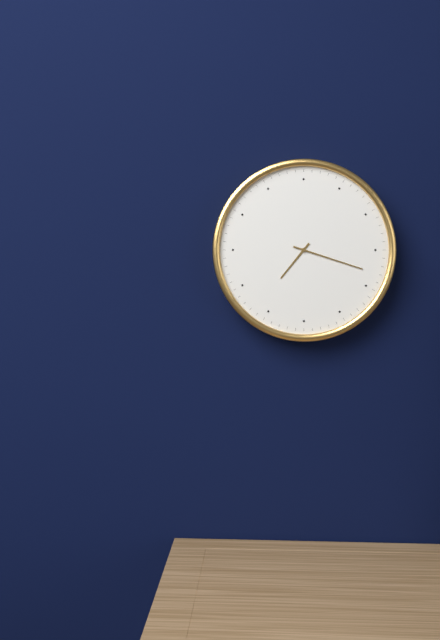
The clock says **7:18**
